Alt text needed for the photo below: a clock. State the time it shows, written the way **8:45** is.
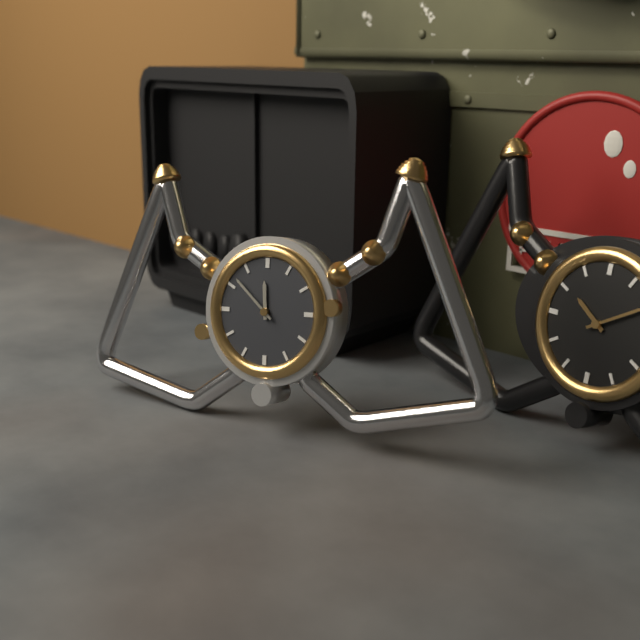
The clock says **11:52**
